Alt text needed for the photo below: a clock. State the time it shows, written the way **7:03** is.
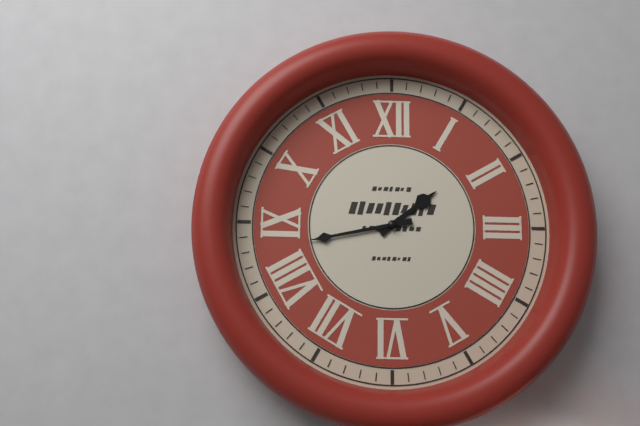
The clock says **1:43**
